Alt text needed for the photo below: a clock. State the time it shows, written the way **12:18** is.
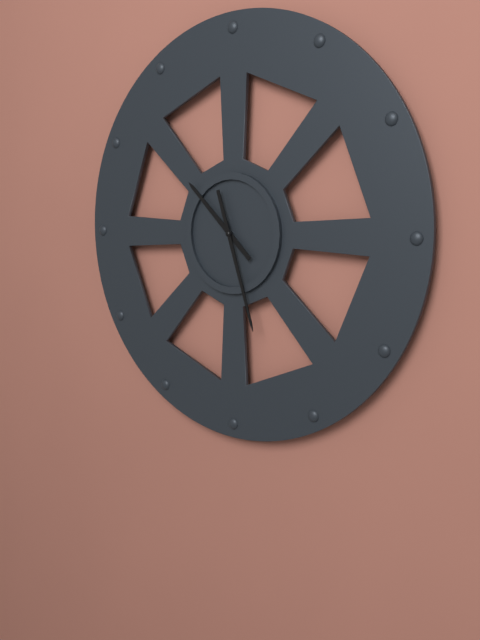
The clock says **10:27**
